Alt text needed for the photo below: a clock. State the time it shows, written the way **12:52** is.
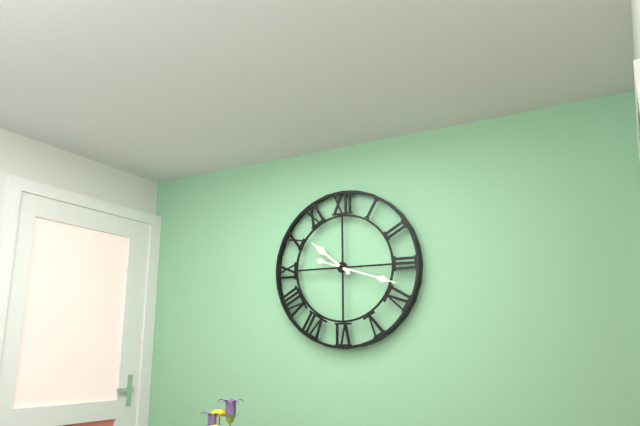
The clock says **10:18**
